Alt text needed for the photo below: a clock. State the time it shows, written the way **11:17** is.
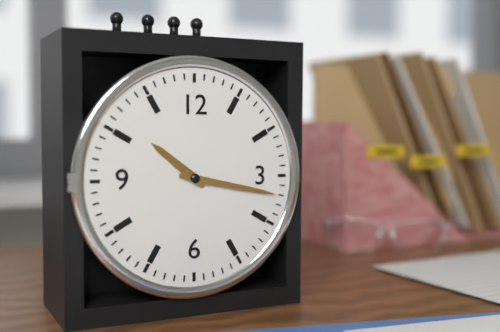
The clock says **10:17**
